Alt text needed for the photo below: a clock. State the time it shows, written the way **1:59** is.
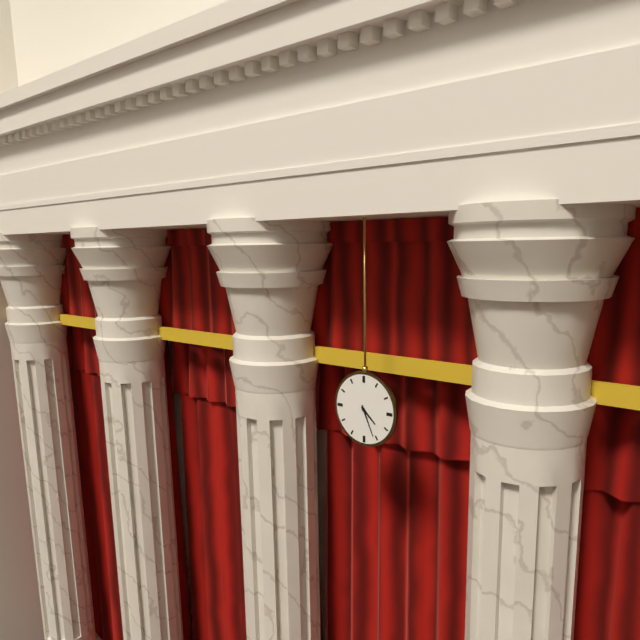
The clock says **4:26**
